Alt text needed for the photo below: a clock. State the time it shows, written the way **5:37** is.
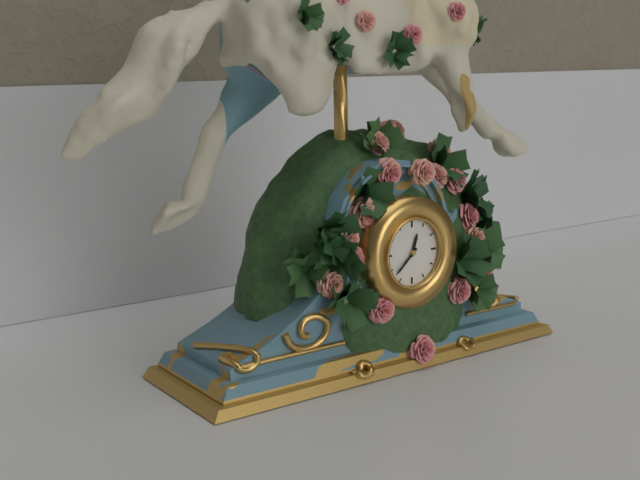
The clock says **12:38**
